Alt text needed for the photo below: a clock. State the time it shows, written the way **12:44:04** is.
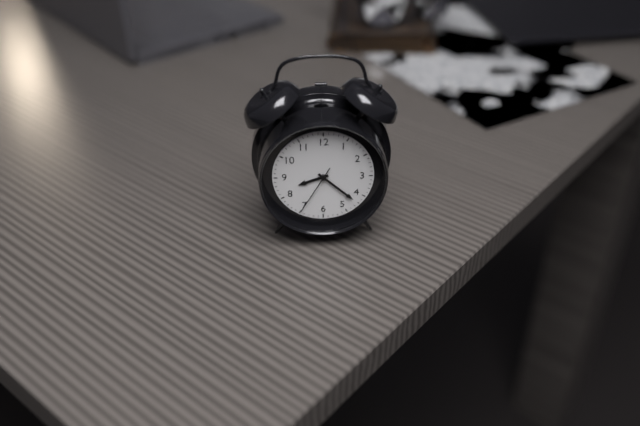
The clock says **8:22:35**
